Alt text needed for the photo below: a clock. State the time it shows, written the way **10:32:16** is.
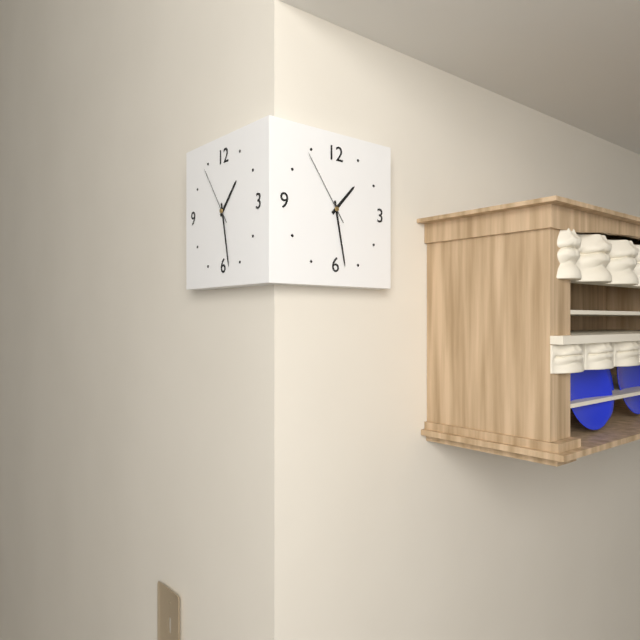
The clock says **1:28:54**
